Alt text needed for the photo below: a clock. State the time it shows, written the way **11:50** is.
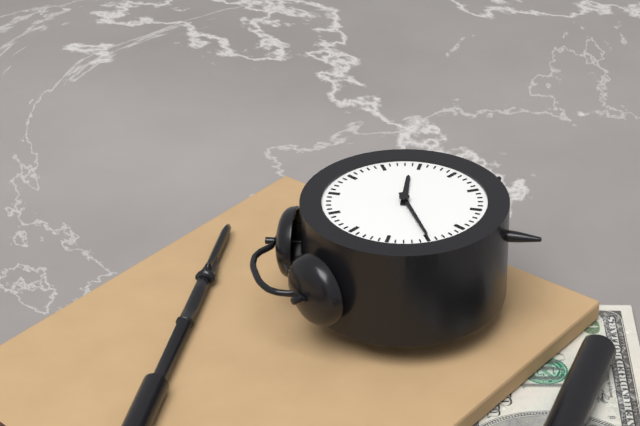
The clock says **3:45**
